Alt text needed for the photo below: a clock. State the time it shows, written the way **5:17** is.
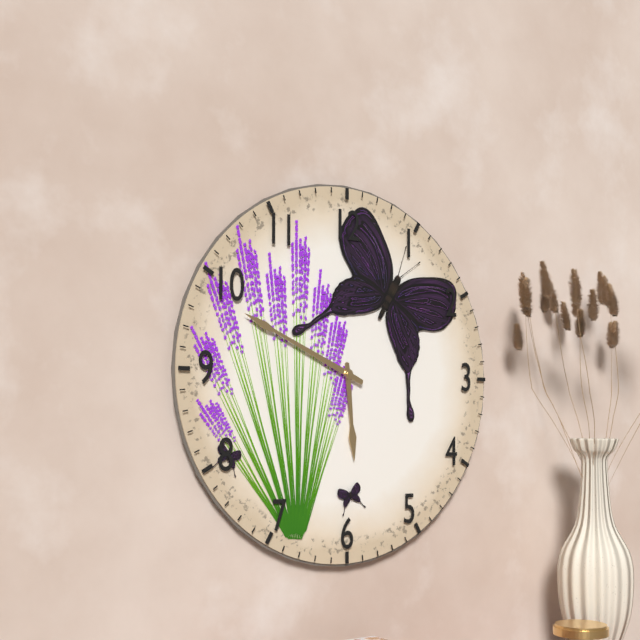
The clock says **5:49**
